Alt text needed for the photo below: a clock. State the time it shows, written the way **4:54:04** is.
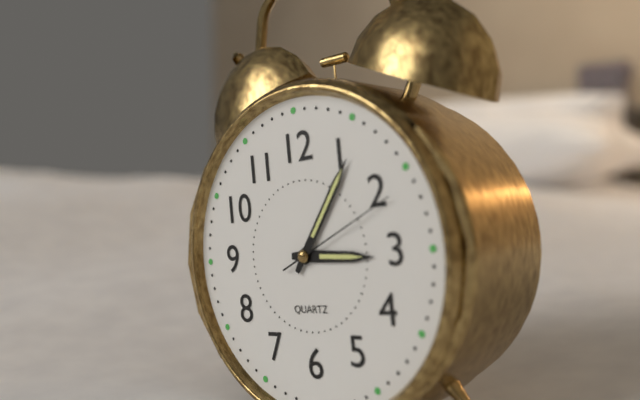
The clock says **3:06:11**
